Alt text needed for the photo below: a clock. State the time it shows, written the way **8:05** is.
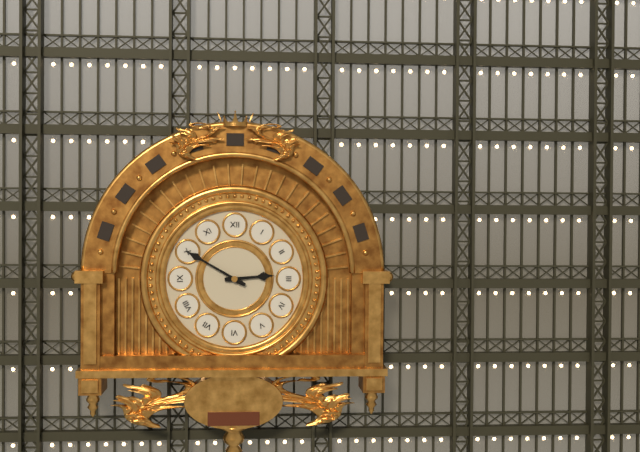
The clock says **2:50**
